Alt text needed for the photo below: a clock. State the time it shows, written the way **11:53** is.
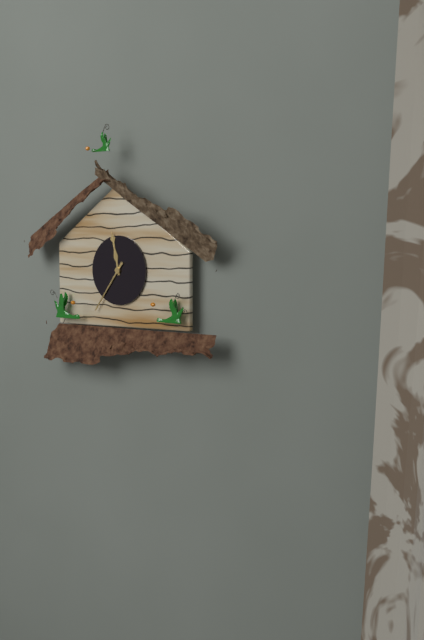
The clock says **11:36**
